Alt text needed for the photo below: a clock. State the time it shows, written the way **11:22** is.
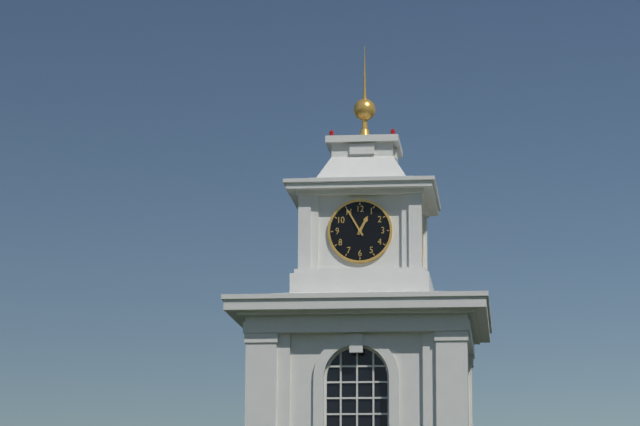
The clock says **12:55**
